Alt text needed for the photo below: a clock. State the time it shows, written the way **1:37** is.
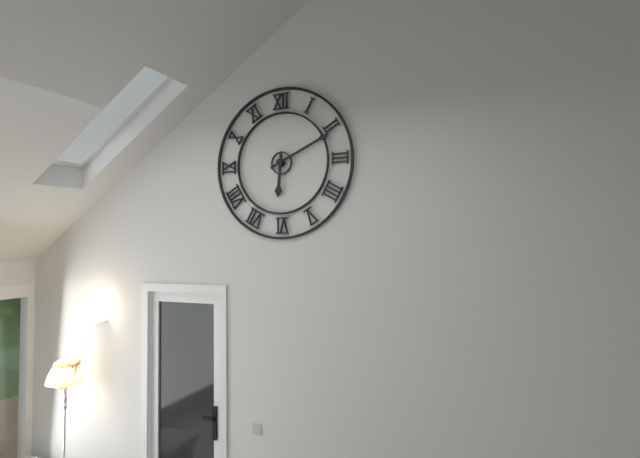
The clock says **6:11**
